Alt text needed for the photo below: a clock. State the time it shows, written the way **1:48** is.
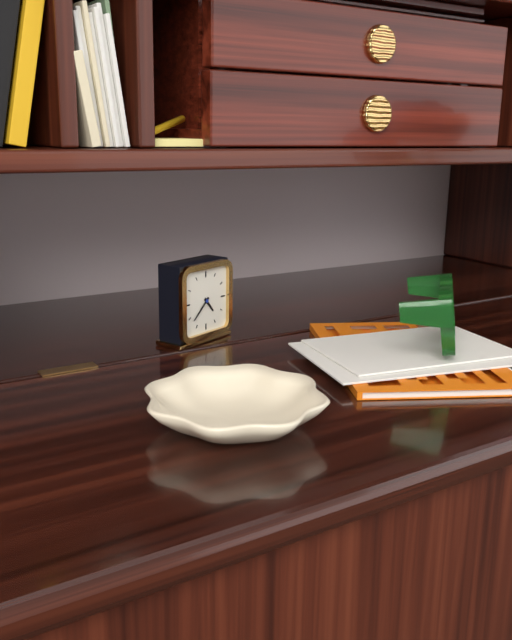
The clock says **4:38**
